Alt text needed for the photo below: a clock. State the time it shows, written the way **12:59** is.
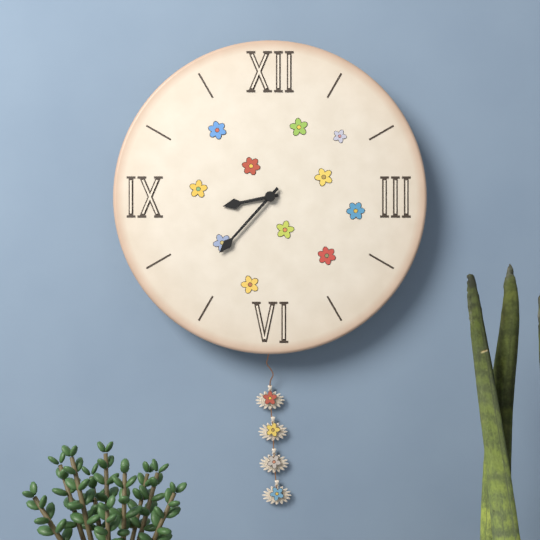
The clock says **8:37**
